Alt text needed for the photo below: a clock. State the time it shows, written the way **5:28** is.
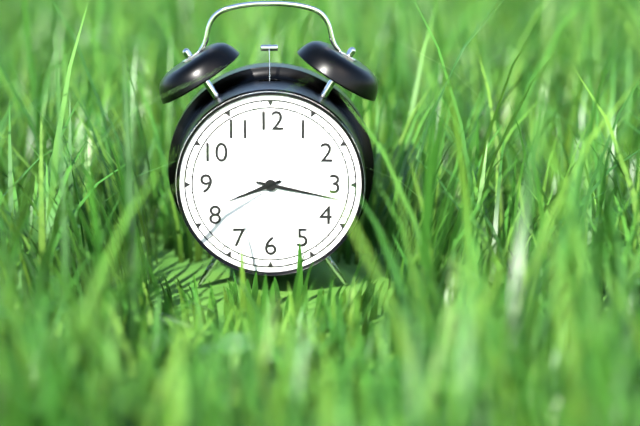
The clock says **8:17**
